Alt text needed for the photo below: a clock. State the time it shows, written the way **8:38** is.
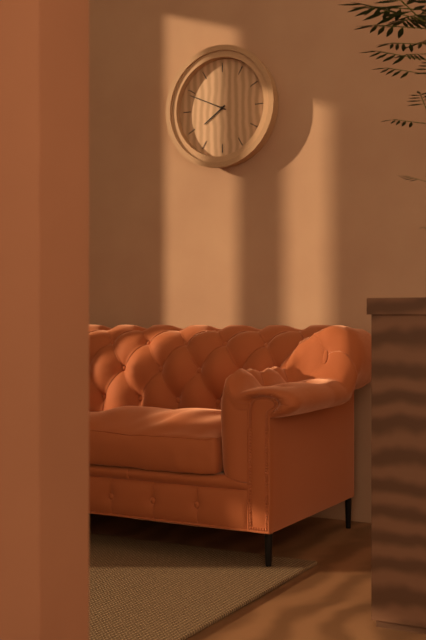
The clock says **7:49**
